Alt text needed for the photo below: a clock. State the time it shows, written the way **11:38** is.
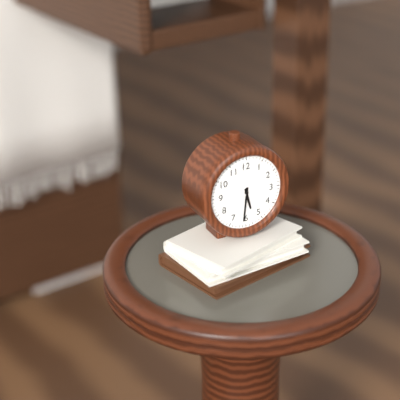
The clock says **5:31**
